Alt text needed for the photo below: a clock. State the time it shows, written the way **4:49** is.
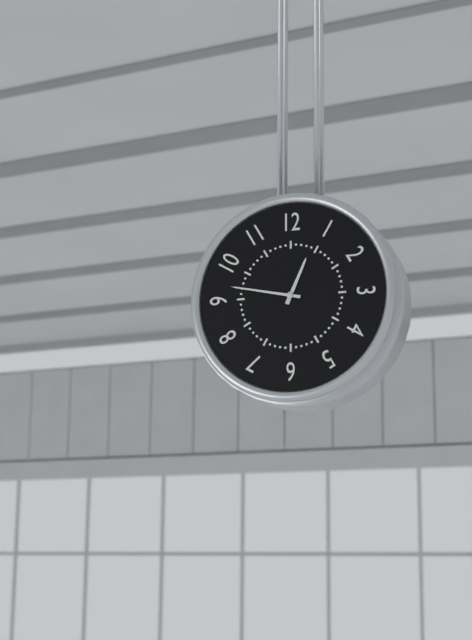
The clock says **12:47**
